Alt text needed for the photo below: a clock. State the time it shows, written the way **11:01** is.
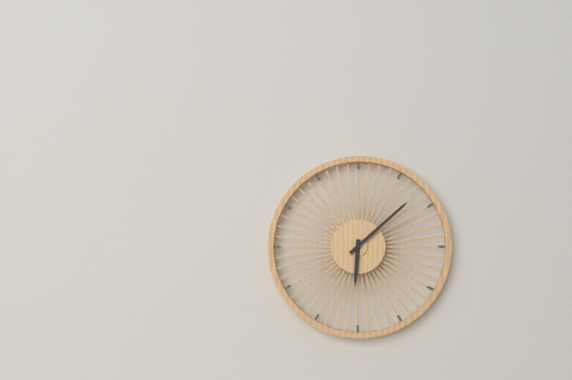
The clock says **6:08**
